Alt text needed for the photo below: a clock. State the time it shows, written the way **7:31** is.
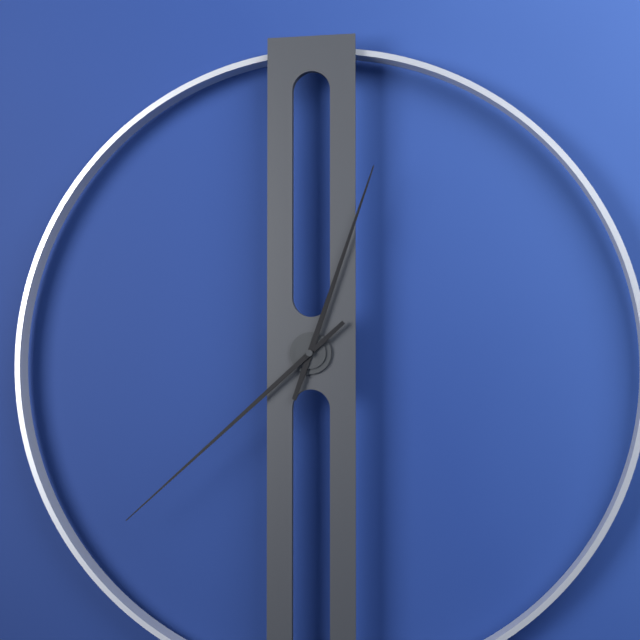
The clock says **12:38**
